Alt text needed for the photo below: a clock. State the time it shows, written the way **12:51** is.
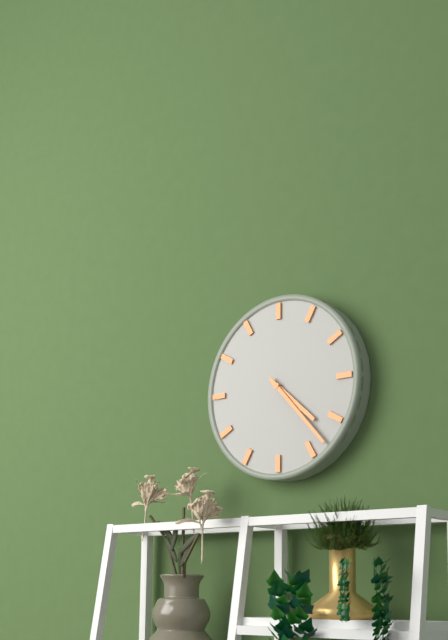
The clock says **4:23**
